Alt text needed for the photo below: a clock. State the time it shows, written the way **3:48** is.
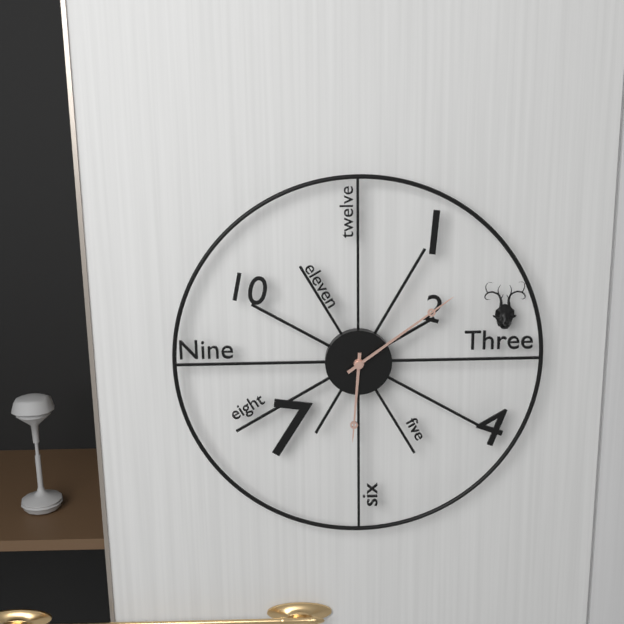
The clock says **6:09**
